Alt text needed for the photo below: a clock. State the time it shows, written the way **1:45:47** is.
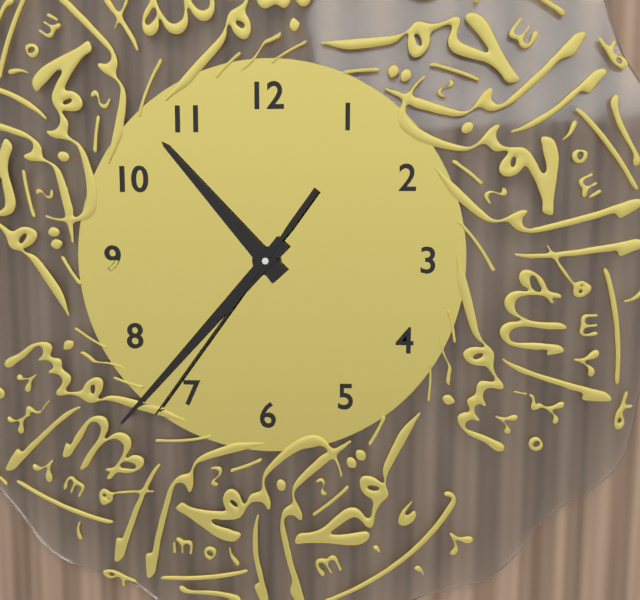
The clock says **10:37:36**
